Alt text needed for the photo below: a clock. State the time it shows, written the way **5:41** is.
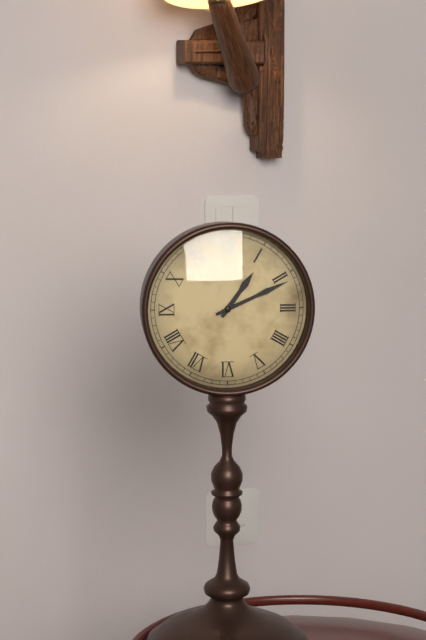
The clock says **1:11**
